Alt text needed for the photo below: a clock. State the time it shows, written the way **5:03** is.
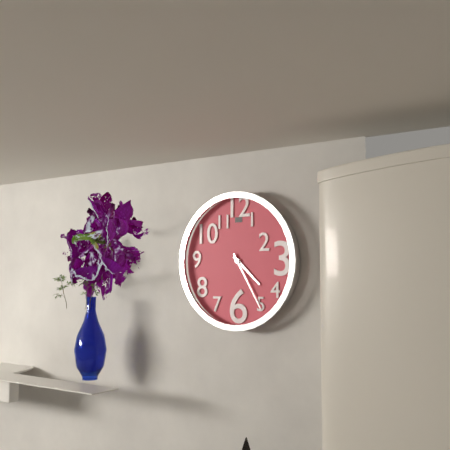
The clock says **4:25**
